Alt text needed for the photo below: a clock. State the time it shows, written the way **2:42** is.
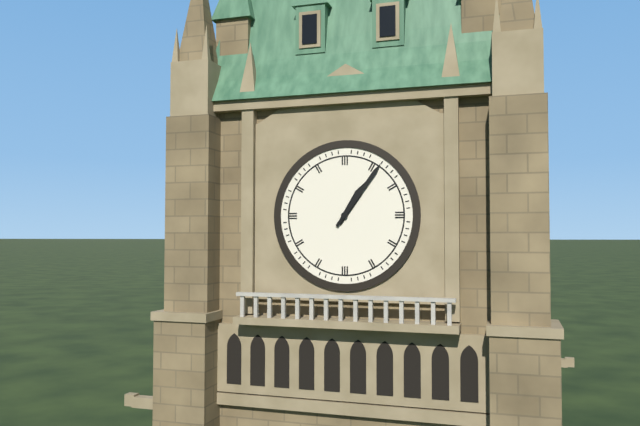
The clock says **1:06**
